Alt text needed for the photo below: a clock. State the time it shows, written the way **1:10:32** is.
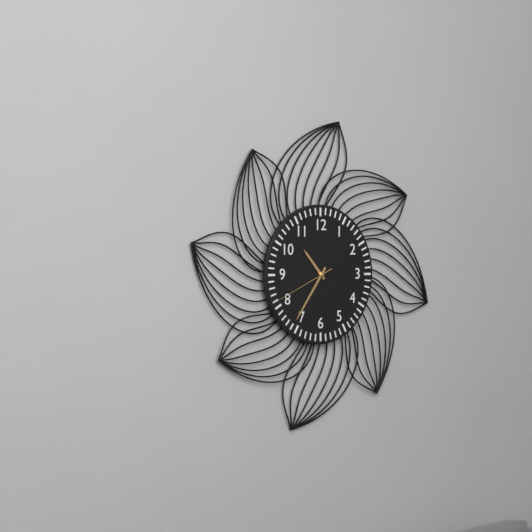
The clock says **10:36:41**
